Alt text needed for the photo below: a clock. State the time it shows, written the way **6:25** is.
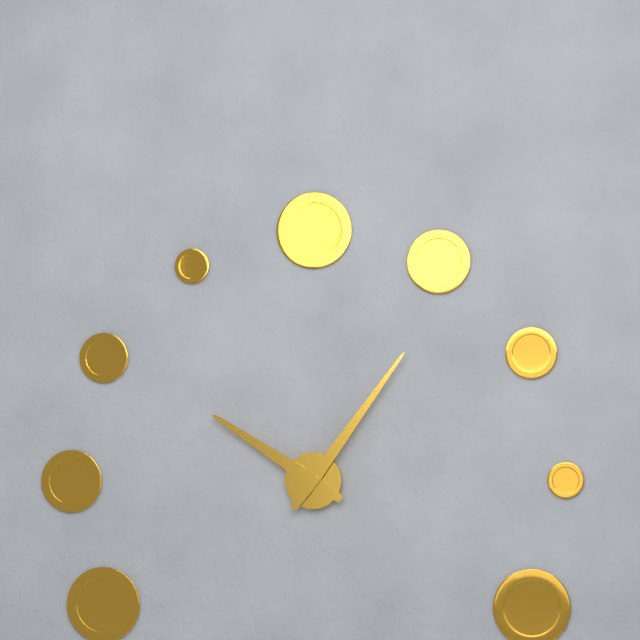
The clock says **10:06**
